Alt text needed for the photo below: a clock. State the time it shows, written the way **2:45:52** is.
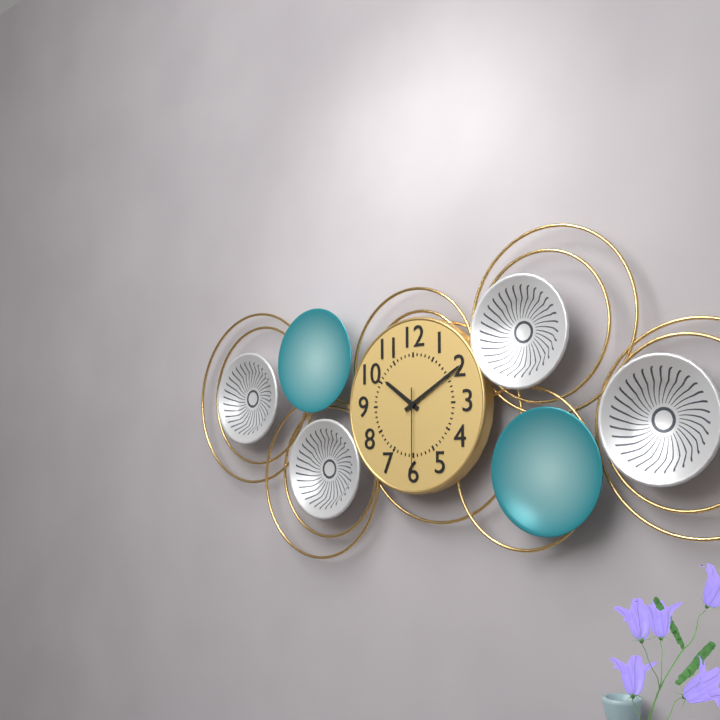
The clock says **10:10:30**
